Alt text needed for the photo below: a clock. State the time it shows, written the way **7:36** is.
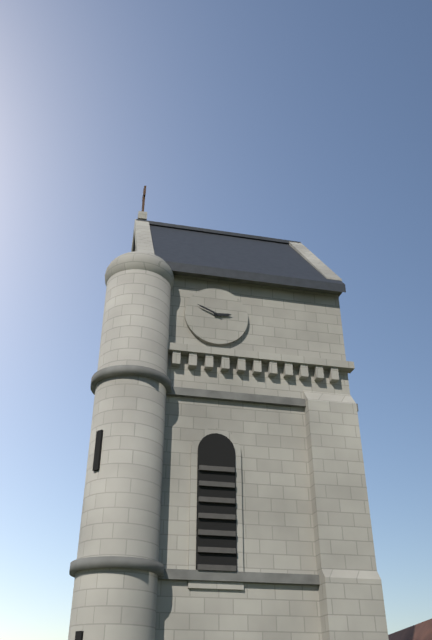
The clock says **2:49**
